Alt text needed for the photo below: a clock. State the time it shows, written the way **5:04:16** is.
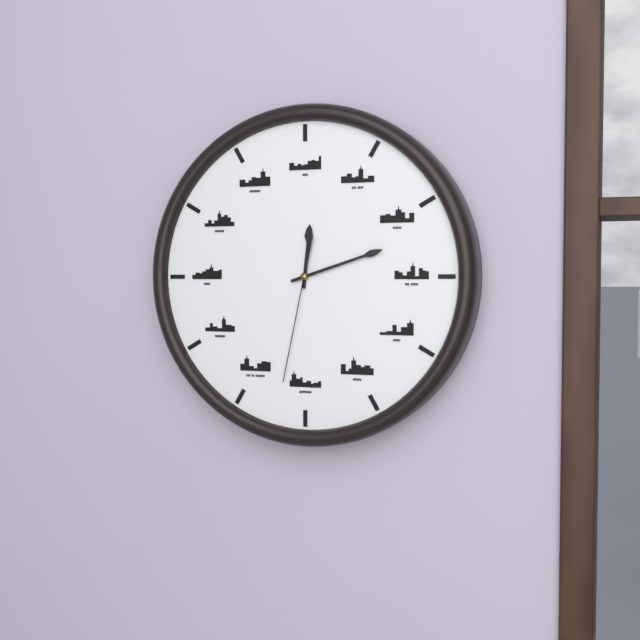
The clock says **12:12:32**
